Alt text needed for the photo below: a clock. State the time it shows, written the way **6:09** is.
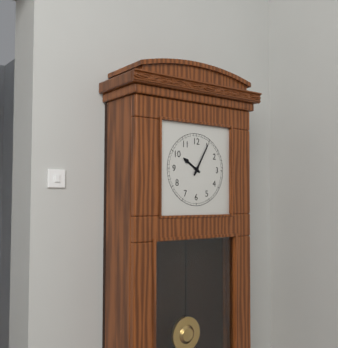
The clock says **10:05**
